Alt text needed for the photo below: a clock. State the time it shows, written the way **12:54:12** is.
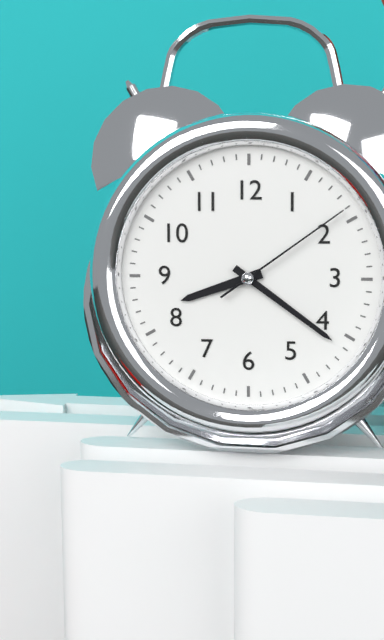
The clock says **8:21:09**
